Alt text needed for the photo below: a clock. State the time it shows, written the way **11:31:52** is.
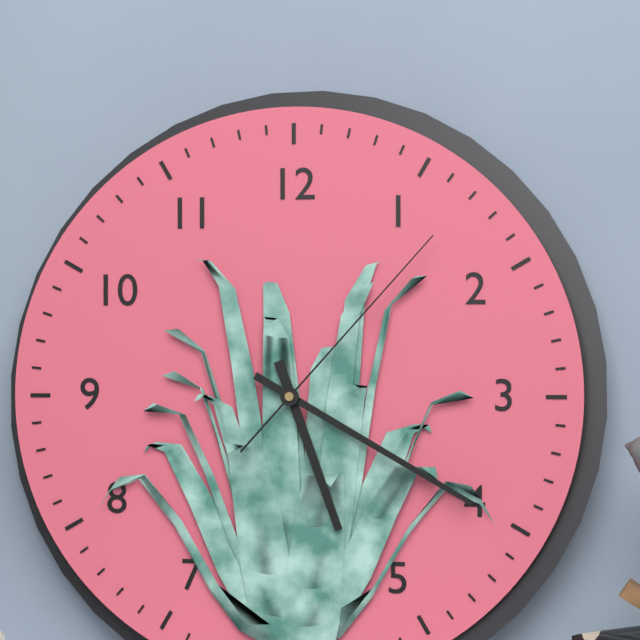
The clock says **5:20:07**
